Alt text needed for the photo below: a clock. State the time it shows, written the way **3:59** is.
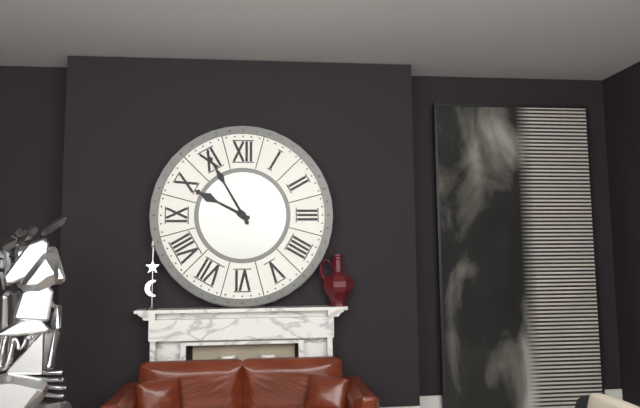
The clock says **9:55**
